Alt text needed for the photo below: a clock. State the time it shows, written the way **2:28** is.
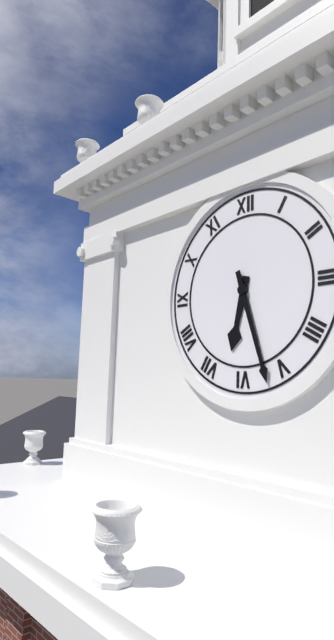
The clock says **6:27**
